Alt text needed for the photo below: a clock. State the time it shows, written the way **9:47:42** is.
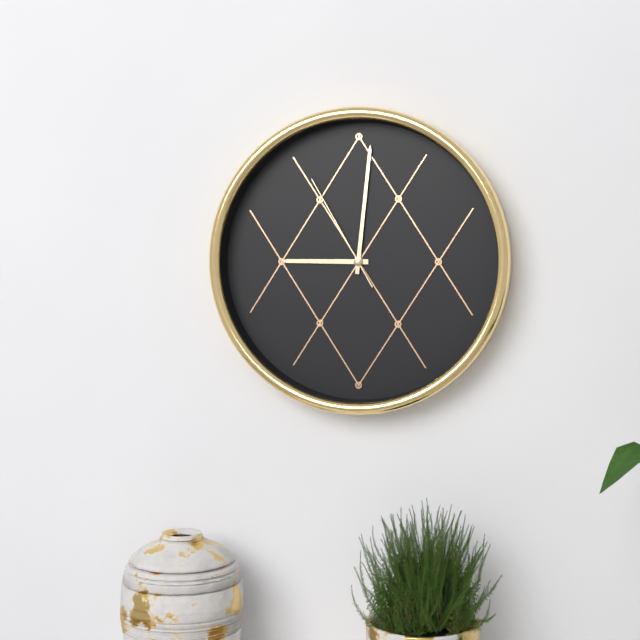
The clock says **9:01:55**
